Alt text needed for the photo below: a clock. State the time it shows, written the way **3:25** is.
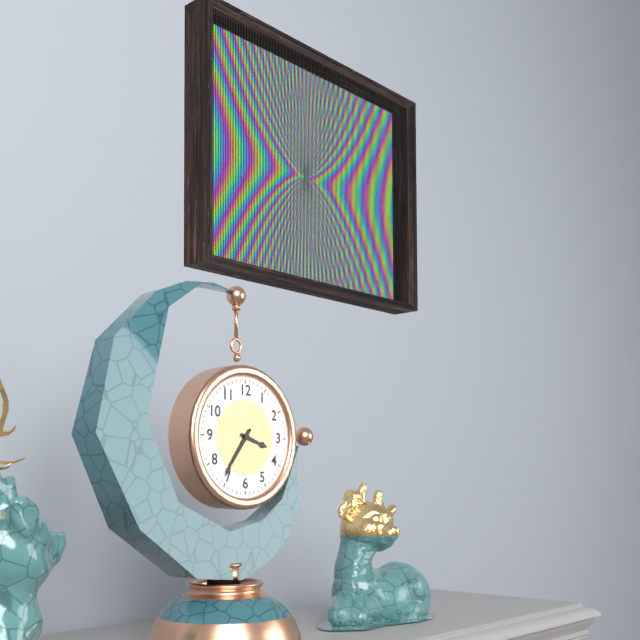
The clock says **3:36**
